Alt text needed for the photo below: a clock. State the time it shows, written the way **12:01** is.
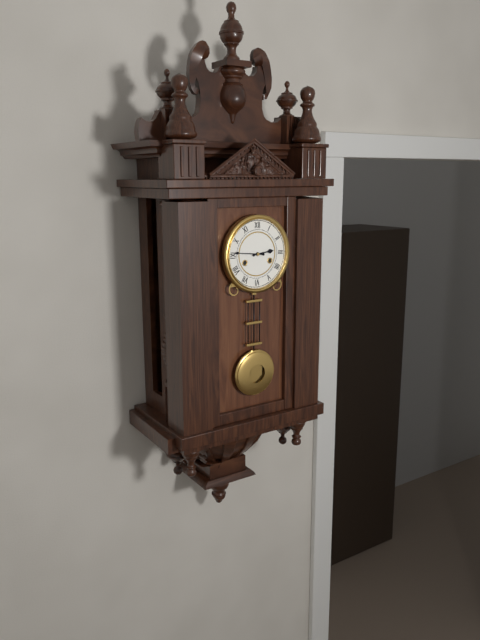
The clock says **2:46**
